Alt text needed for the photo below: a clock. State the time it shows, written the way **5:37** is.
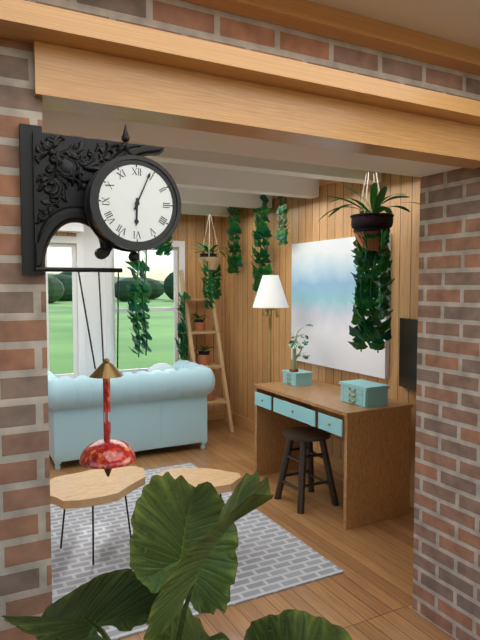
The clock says **6:04**
